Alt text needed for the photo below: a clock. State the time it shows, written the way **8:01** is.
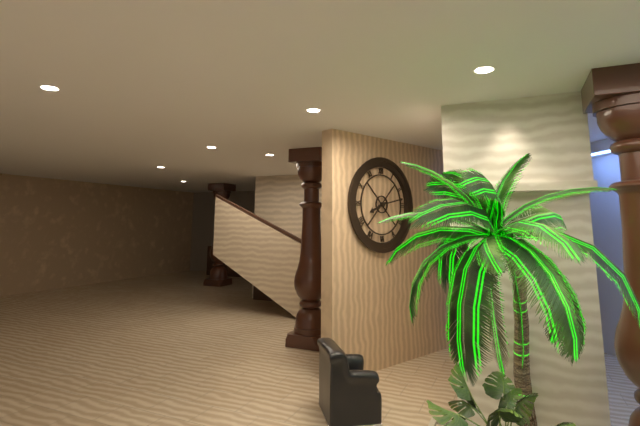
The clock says **8:13**
